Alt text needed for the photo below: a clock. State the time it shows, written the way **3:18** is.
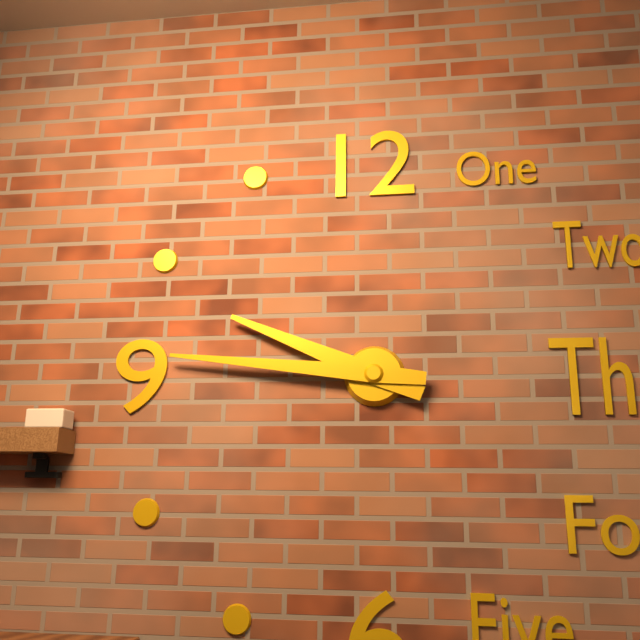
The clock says **9:46**
